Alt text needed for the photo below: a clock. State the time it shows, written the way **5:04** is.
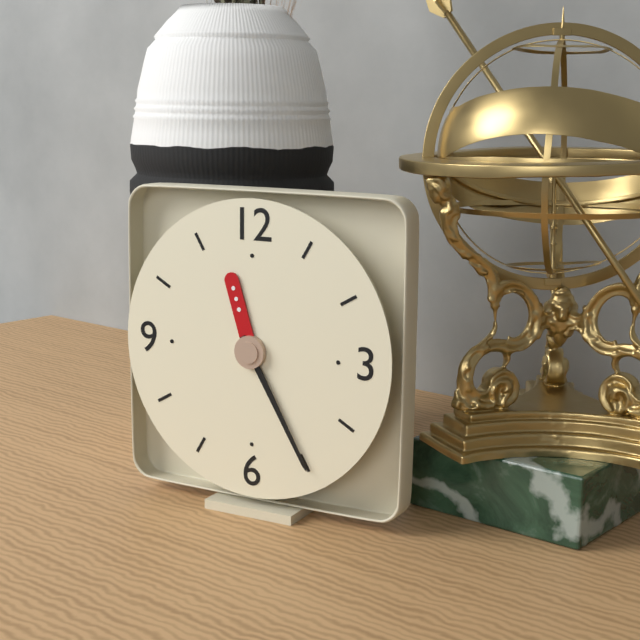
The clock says **11:25**
